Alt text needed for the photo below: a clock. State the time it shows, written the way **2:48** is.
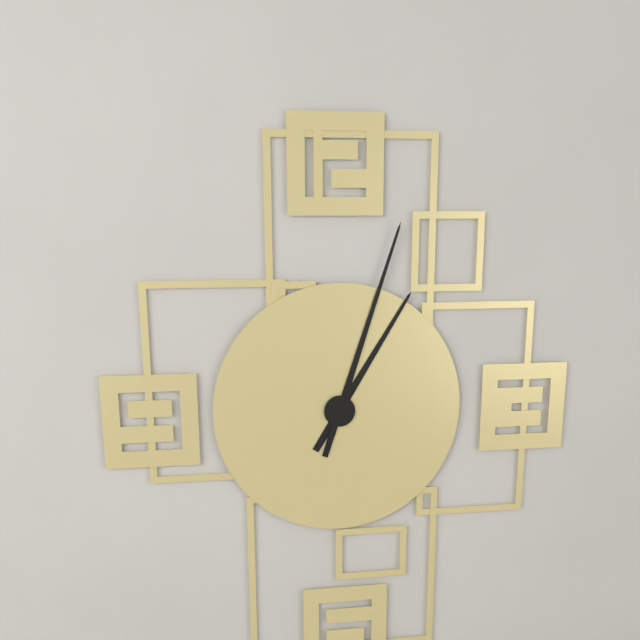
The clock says **1:03**
